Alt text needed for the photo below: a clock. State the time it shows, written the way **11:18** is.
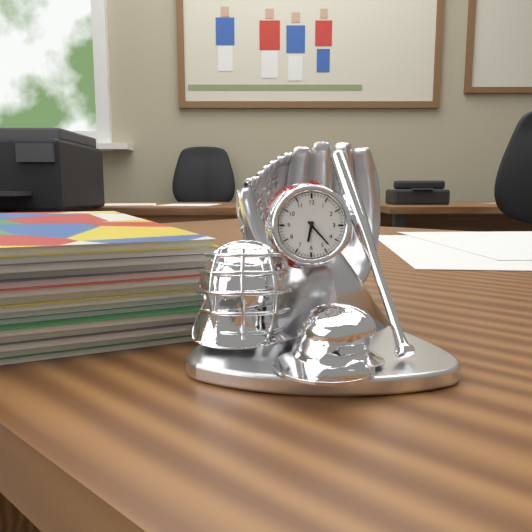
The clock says **6:23**
